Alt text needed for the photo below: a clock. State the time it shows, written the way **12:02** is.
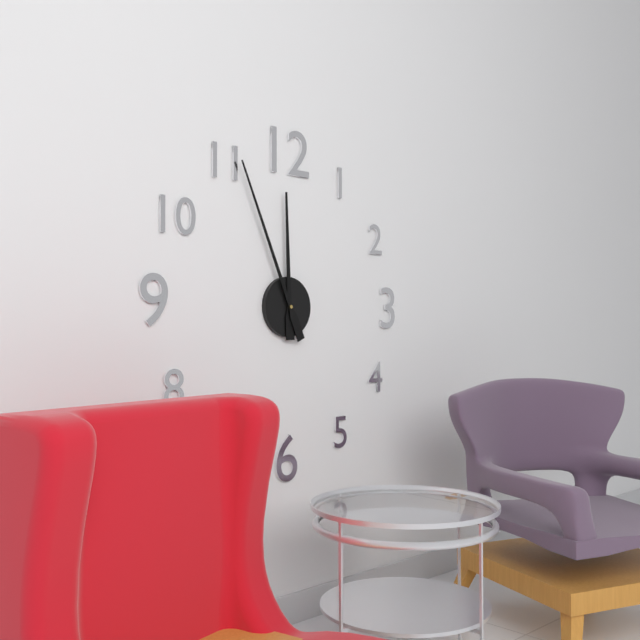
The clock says **11:56**
